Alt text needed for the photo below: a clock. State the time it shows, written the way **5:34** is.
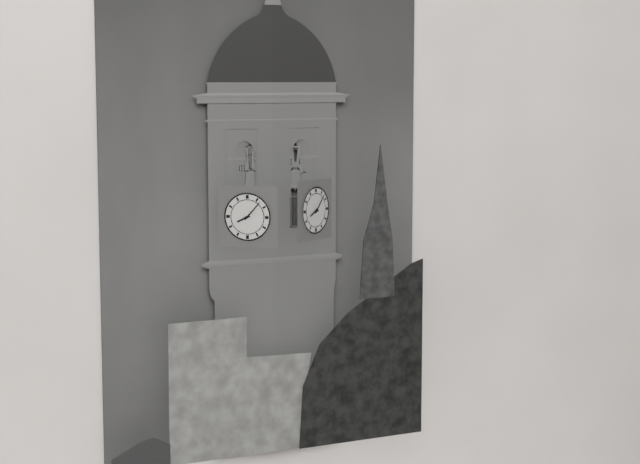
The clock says **8:07**
